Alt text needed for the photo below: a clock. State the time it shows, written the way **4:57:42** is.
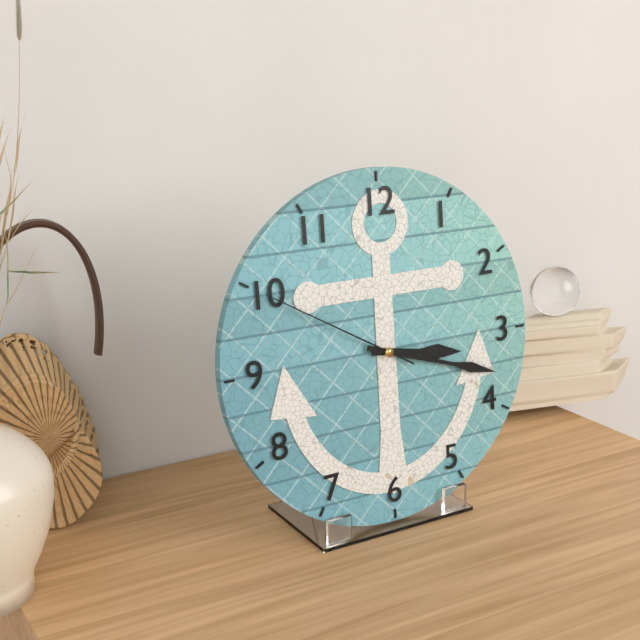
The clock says **3:18:50**
